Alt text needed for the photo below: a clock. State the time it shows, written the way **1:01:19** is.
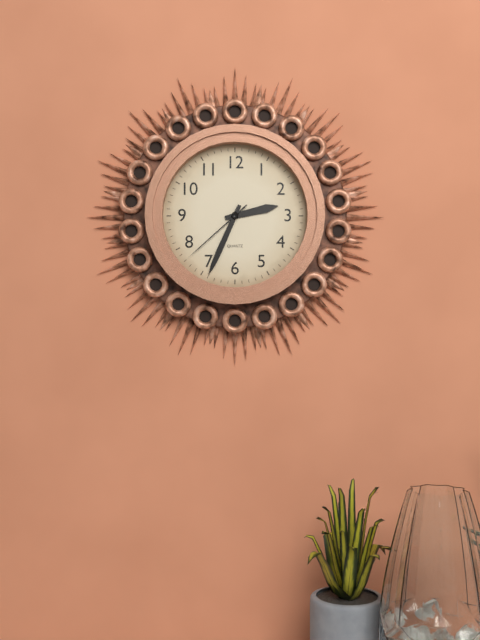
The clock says **2:34:38**
